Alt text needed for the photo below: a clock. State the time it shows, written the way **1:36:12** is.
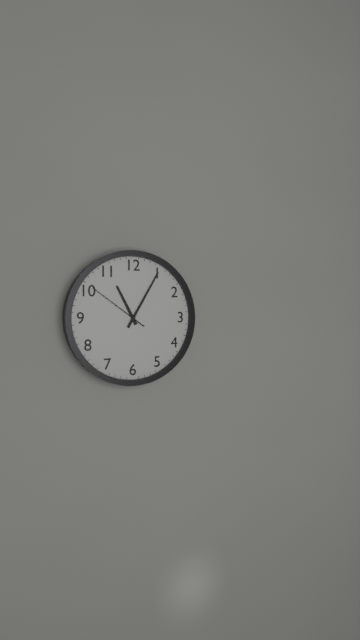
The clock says **11:05:51**
